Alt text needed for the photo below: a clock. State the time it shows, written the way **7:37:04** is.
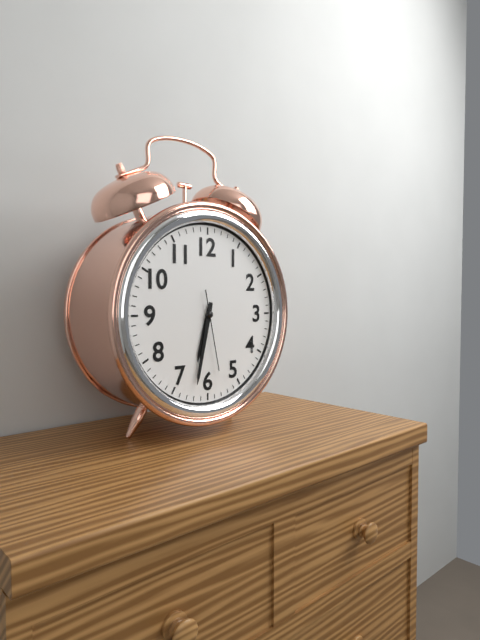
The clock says **6:32:28**
